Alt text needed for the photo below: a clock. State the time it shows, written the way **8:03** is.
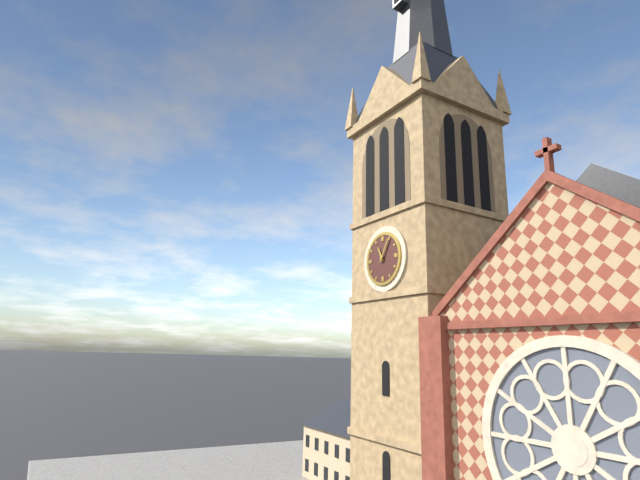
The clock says **11:05**
